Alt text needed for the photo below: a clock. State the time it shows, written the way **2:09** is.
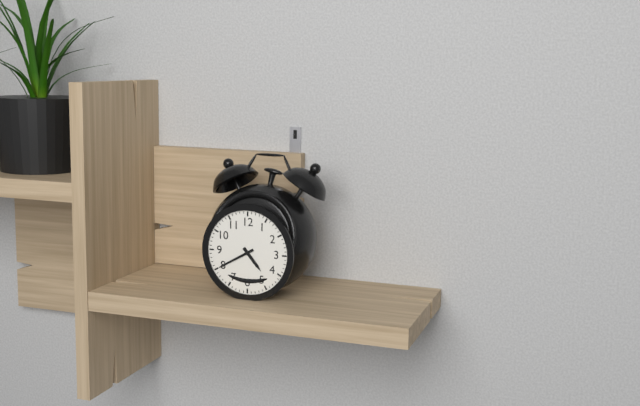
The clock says **4:40**
